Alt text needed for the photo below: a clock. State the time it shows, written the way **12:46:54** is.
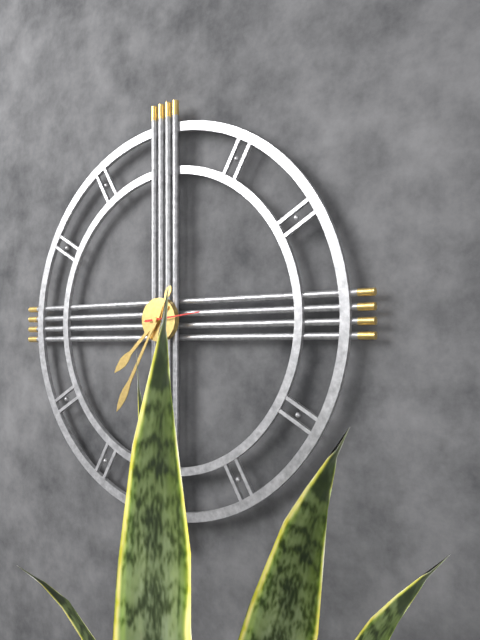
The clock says **7:35:14**
